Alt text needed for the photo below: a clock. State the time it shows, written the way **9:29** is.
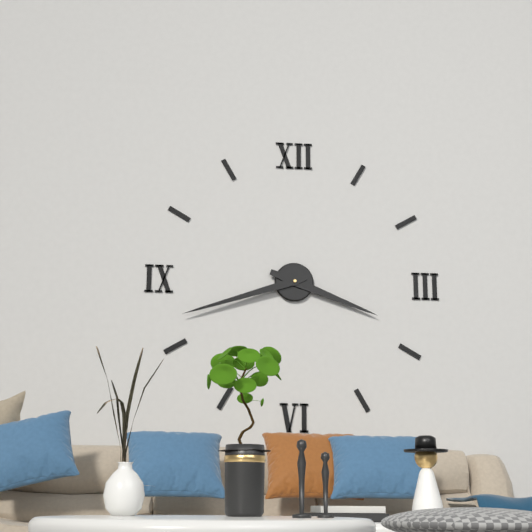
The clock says **3:42**
